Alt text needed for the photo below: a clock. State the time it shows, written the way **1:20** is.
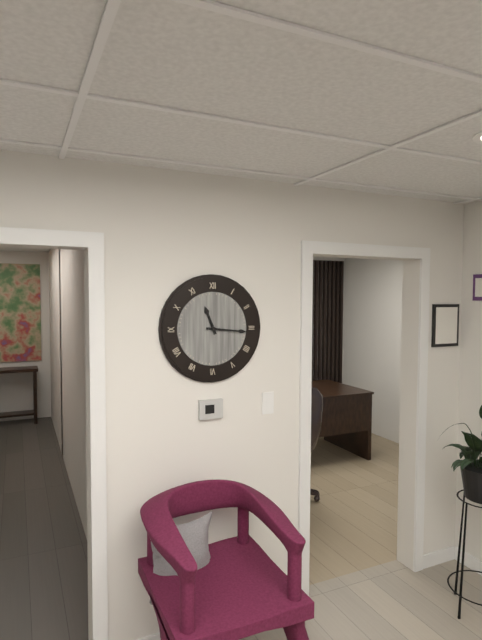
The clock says **11:16**
